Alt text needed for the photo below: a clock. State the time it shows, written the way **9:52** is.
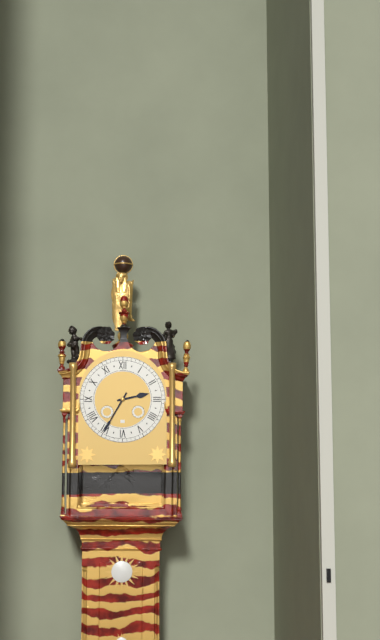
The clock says **2:35**
